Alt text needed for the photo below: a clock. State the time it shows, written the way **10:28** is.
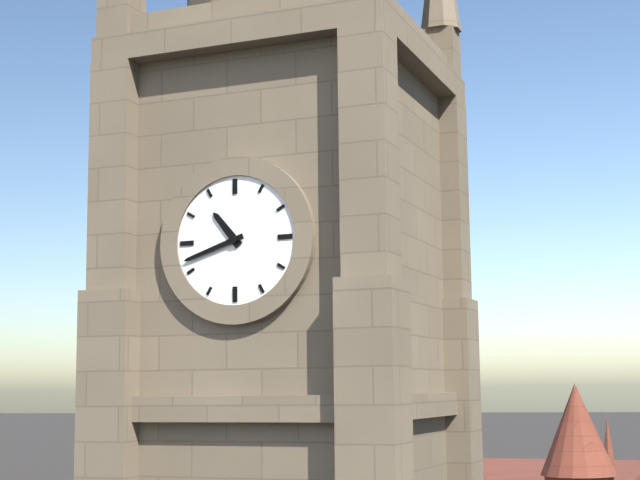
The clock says **10:42**
